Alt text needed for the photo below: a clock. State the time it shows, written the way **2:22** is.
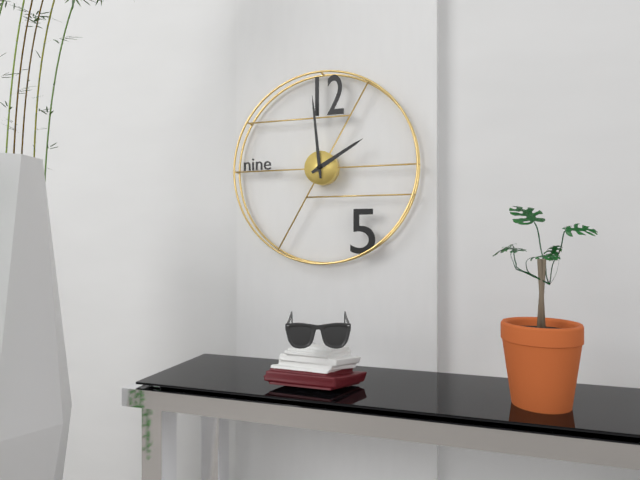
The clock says **1:59**
